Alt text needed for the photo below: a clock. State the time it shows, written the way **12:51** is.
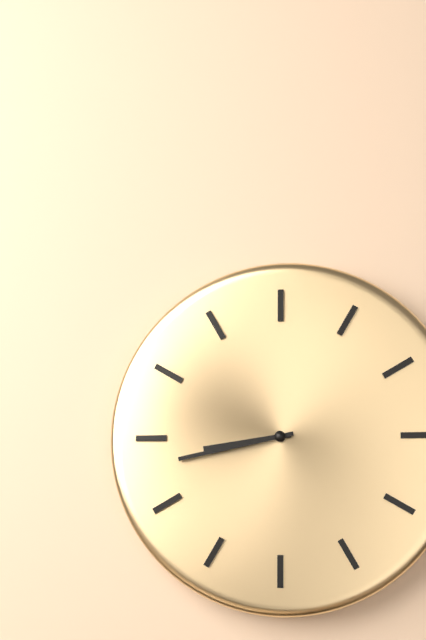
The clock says **8:43**
